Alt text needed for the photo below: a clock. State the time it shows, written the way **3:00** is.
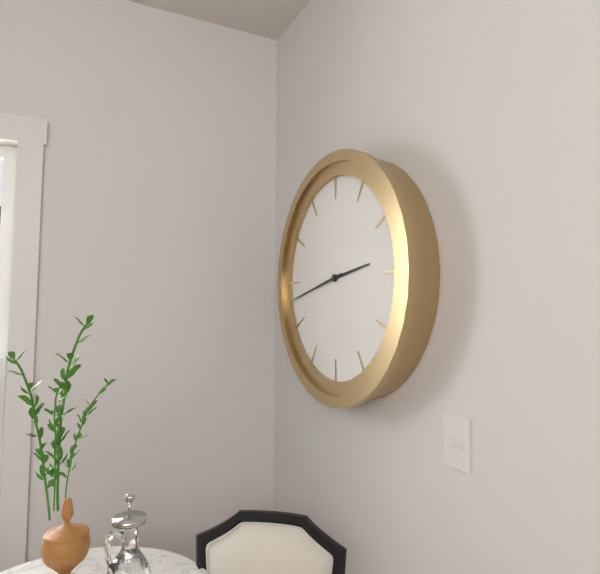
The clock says **2:43**
